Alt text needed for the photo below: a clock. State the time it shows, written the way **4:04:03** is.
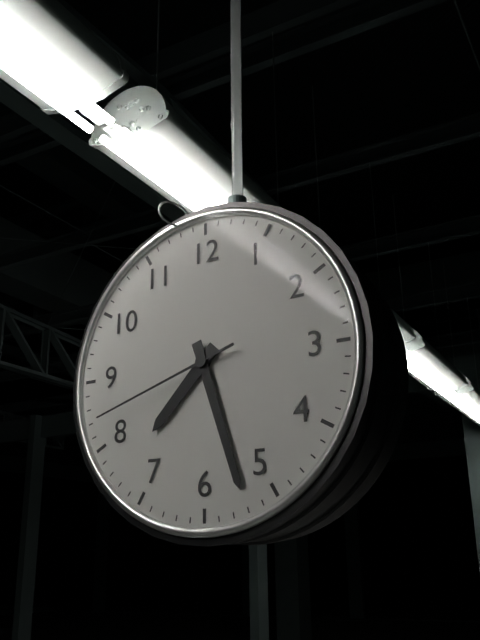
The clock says **7:27:42**
